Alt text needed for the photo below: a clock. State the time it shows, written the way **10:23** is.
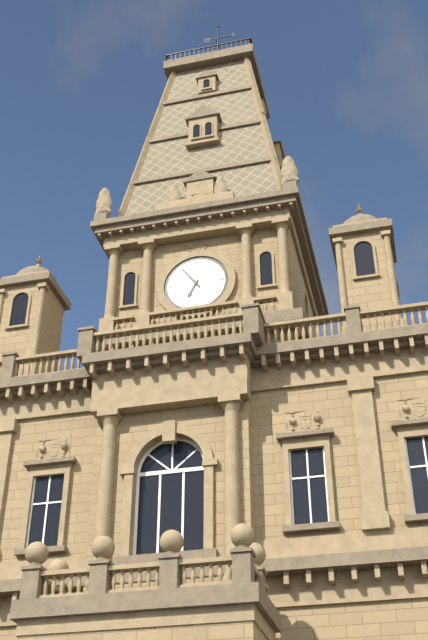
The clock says **6:54**
